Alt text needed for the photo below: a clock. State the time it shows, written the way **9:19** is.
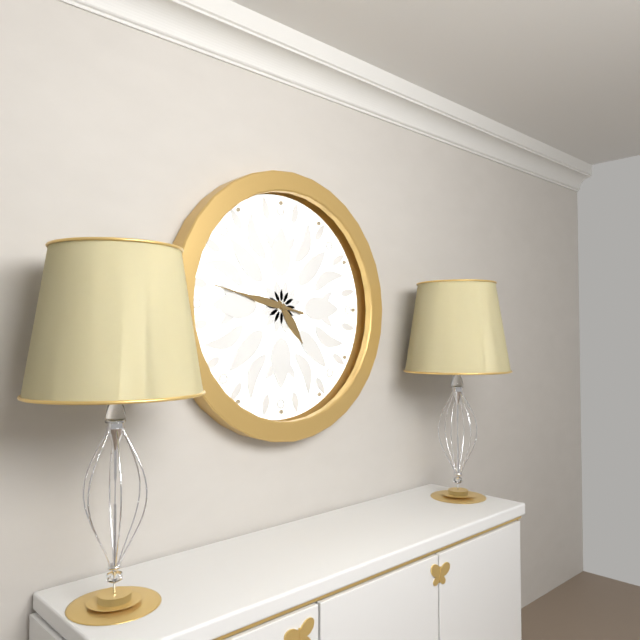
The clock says **4:47**
